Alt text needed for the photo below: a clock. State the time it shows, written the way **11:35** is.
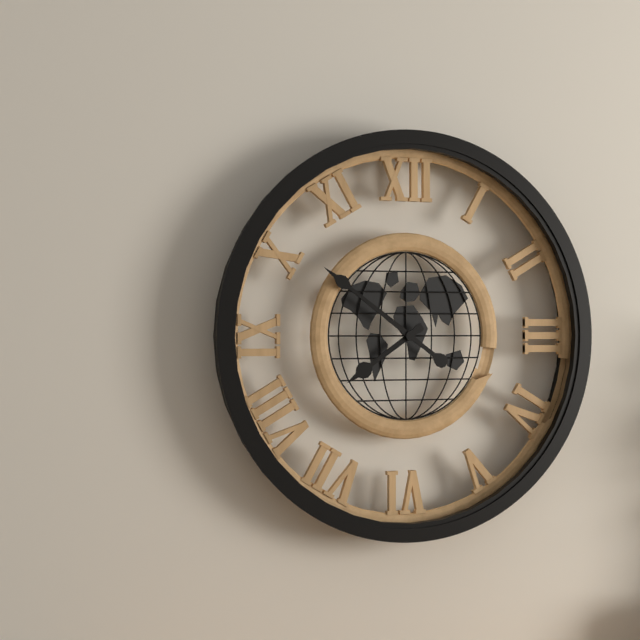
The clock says **7:51**
